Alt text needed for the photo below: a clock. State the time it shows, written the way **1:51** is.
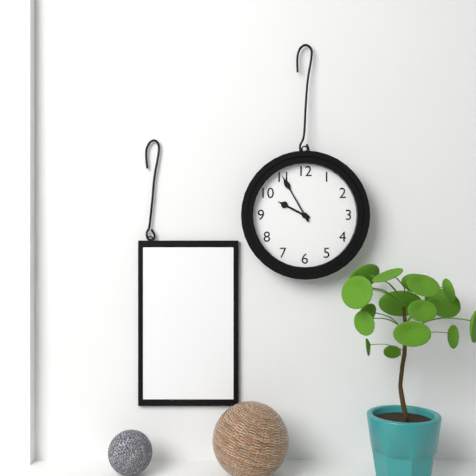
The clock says **9:55**
